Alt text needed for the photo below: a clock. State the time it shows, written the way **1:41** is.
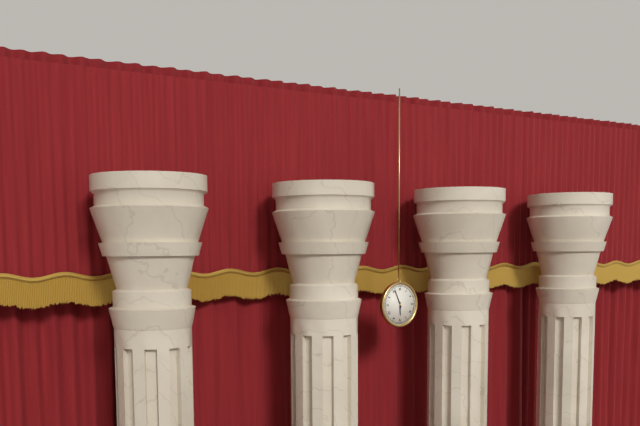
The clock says **5:56**
